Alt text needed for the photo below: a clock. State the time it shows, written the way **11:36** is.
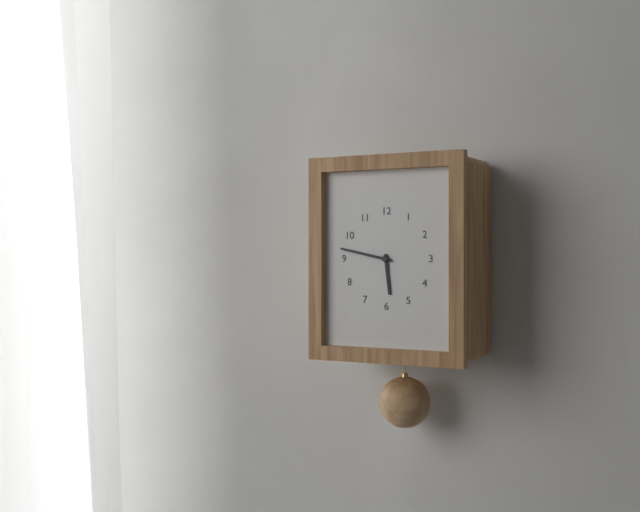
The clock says **5:47**
